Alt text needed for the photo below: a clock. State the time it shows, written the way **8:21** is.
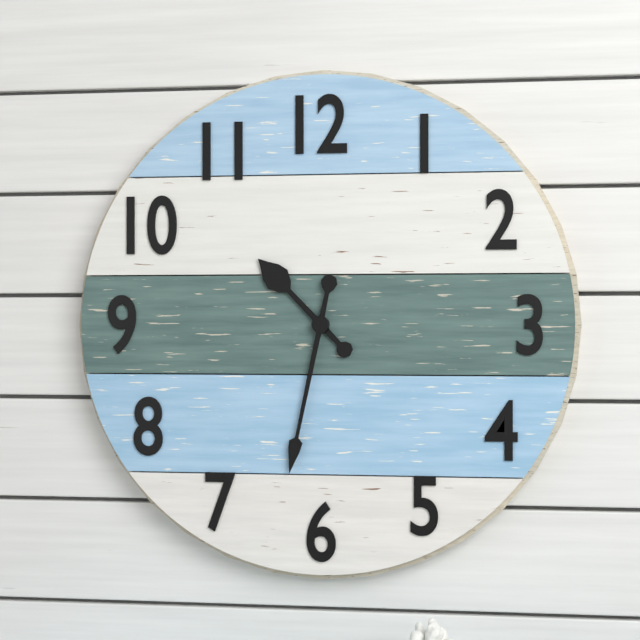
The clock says **10:32**
